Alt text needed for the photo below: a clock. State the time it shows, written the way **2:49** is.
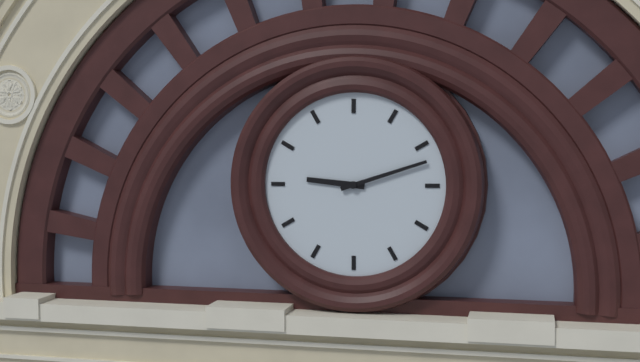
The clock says **9:12**
